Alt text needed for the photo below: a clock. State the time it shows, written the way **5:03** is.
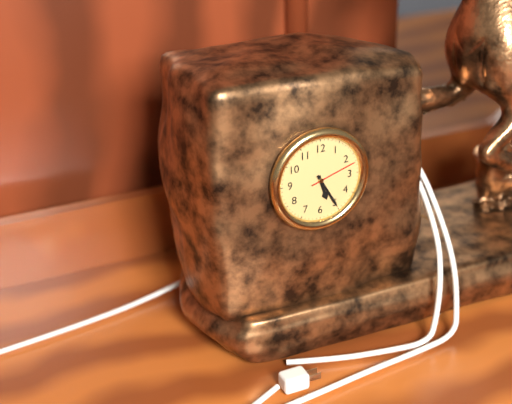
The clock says **5:25**
